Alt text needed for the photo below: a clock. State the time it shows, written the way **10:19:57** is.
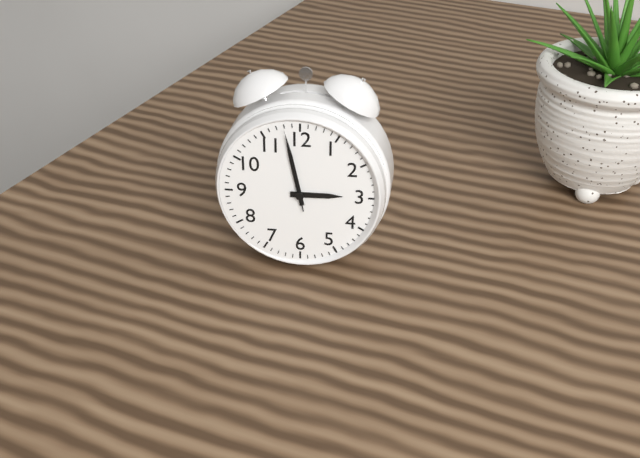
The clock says **2:58:58**
